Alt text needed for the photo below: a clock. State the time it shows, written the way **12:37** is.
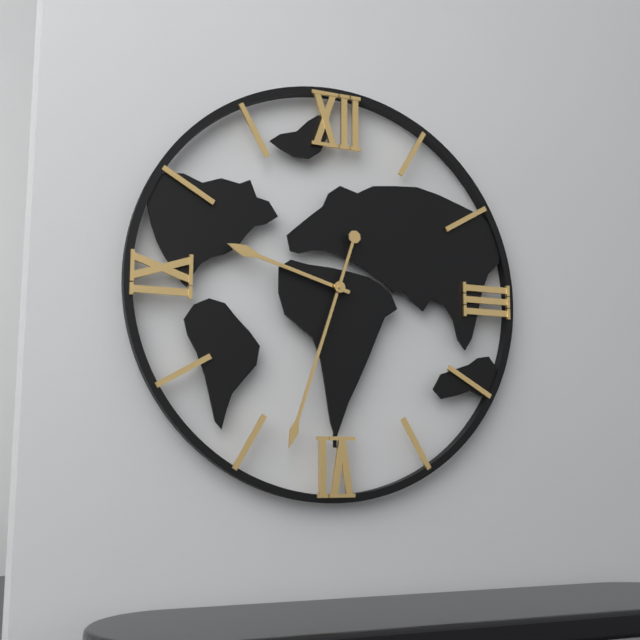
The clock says **9:33**
